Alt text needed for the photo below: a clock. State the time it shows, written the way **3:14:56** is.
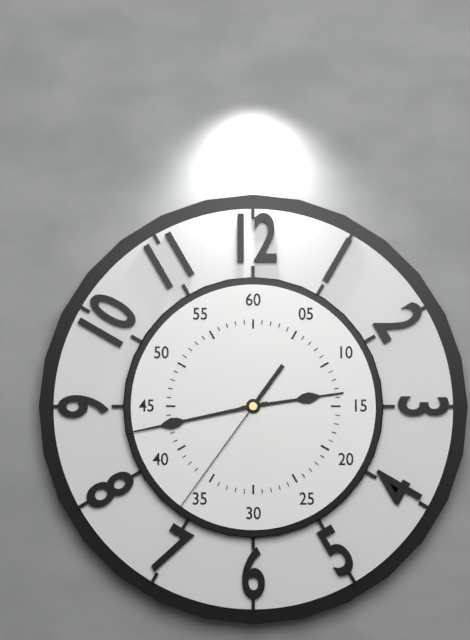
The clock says **2:43:36**
